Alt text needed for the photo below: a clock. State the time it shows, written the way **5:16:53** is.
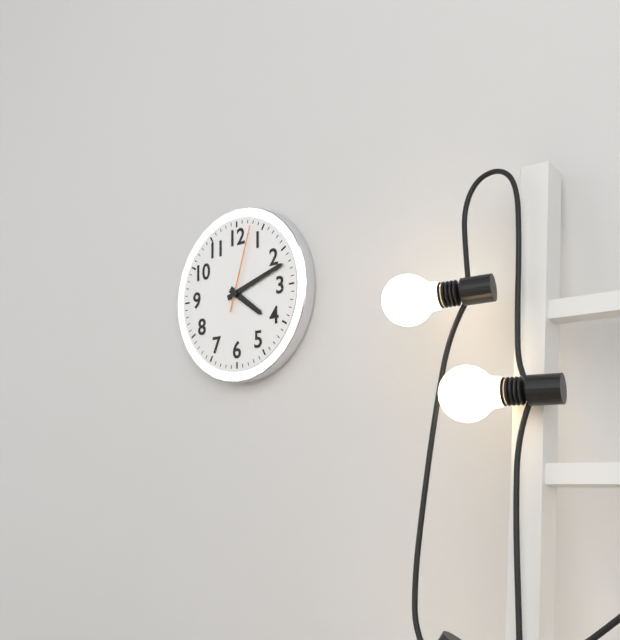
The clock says **4:12:03**
